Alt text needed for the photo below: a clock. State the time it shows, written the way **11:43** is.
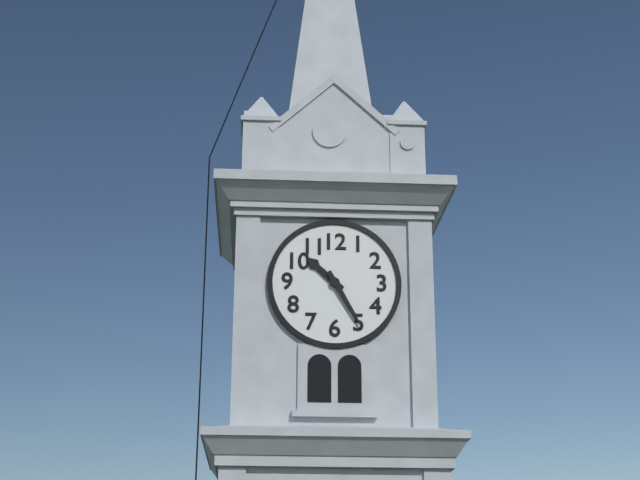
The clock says **10:25**
